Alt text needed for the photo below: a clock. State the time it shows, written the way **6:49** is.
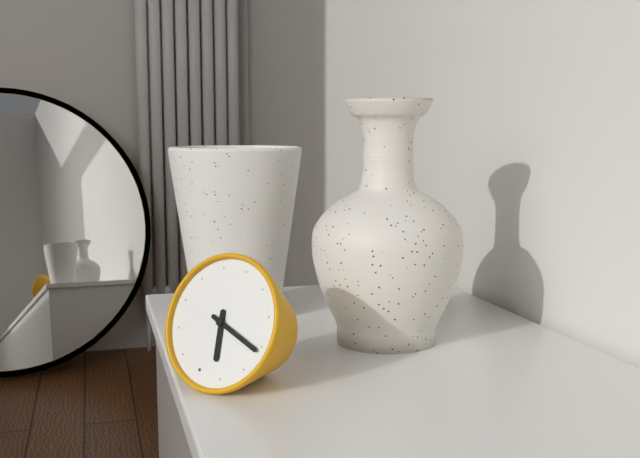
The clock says **5:16**
